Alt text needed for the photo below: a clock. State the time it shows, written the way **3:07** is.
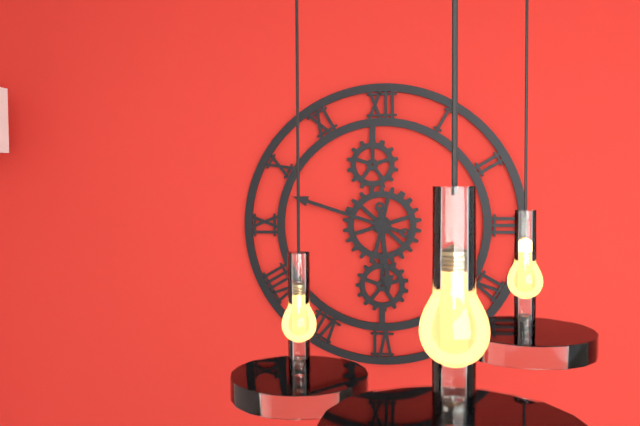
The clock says **5:48**
